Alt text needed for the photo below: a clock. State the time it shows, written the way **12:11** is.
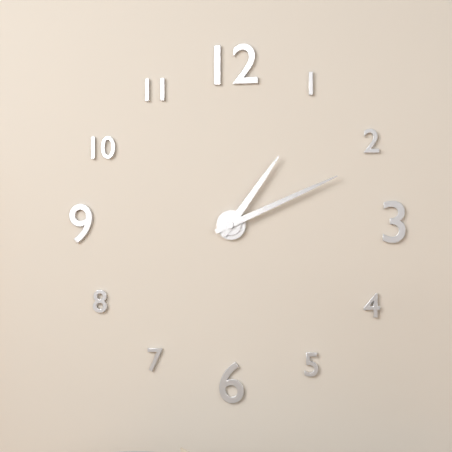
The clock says **1:11**
